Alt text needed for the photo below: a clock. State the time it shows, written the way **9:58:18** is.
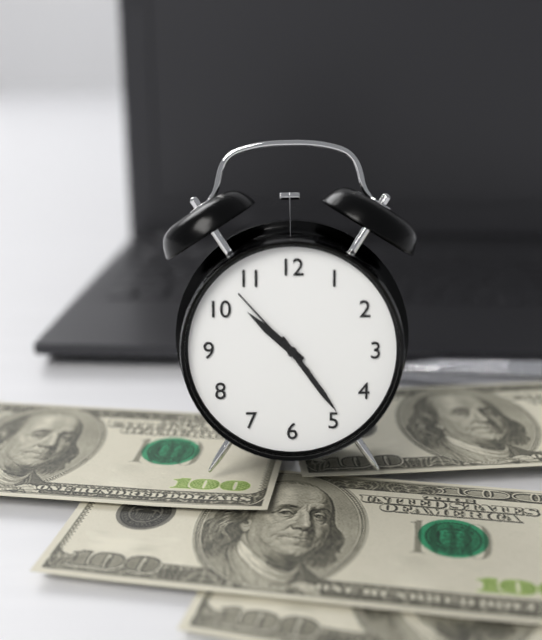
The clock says **10:24:53**
